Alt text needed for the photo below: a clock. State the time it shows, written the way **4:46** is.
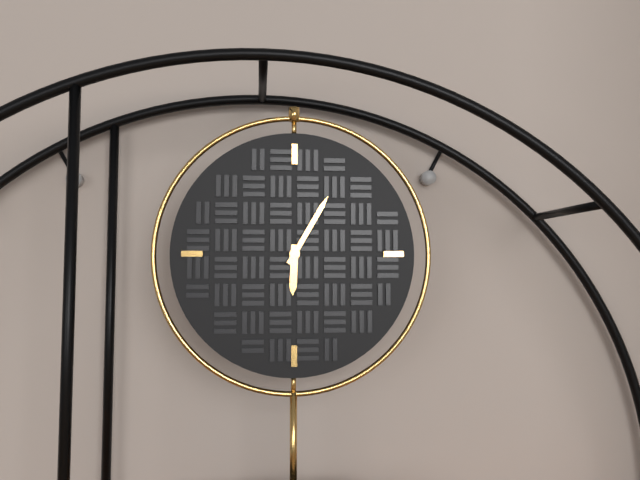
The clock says **6:05**
